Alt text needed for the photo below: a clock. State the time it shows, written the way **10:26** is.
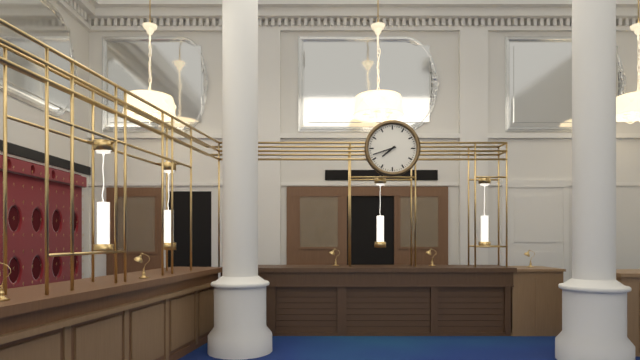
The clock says **7:42**
